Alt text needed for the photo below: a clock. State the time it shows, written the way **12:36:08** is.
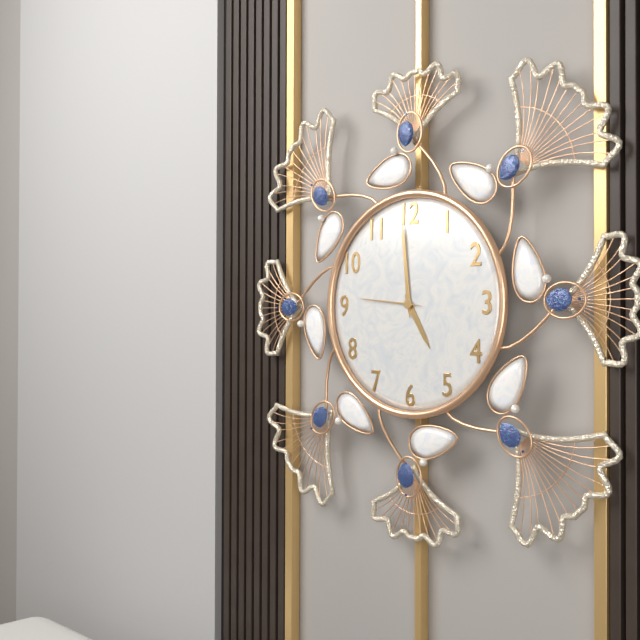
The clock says **4:59:46**
